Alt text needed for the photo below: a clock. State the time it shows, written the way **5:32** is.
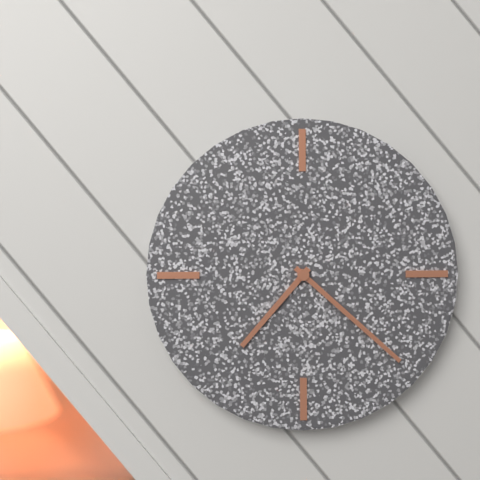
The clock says **7:22**
